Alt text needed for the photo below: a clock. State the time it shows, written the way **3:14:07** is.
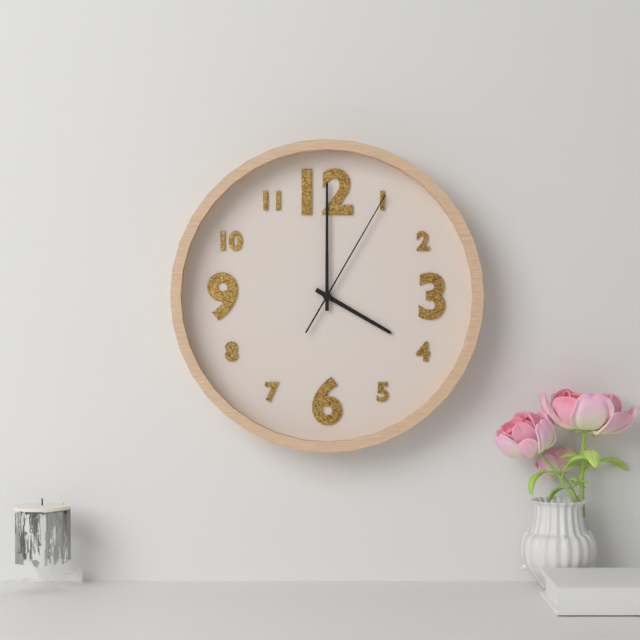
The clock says **4:00:05**
